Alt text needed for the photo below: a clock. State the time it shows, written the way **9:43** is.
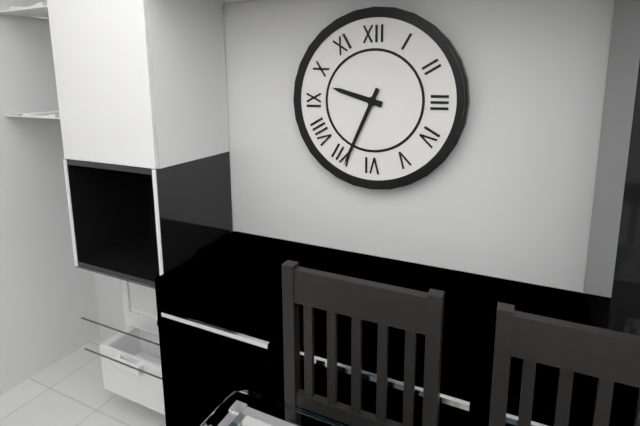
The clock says **9:34**
